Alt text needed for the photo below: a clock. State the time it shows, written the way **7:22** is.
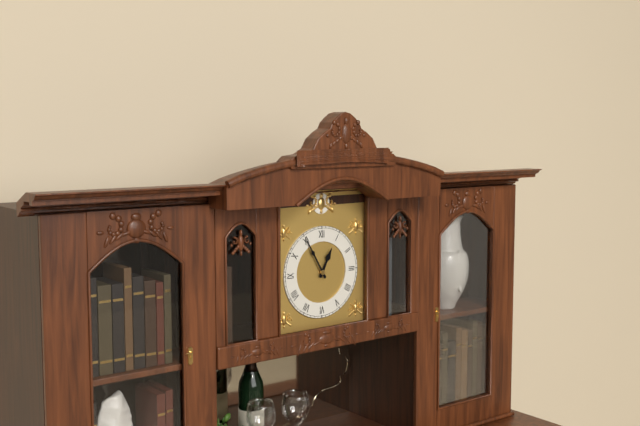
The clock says **12:55**
